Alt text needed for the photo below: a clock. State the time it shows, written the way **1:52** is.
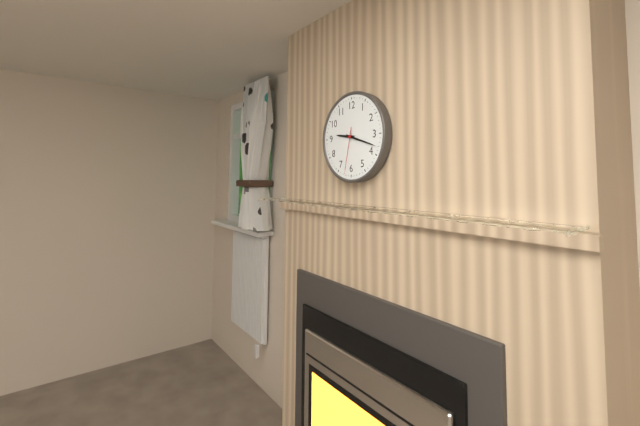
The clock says **9:18**
